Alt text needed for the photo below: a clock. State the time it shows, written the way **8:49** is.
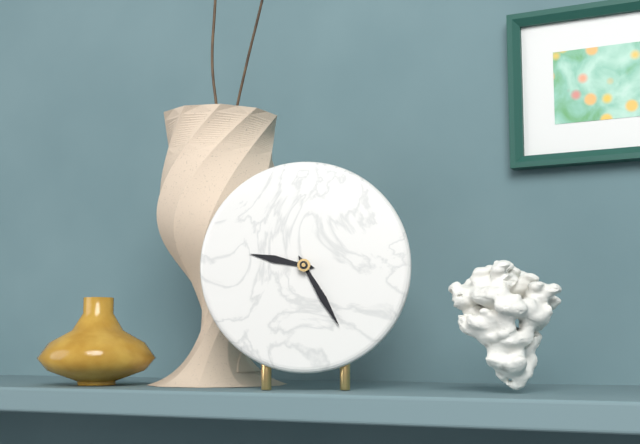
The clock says **9:25**
